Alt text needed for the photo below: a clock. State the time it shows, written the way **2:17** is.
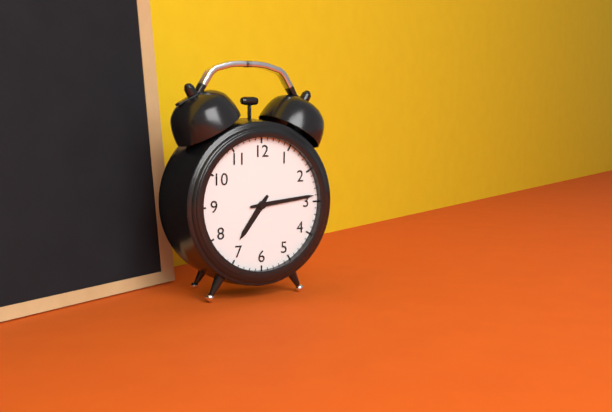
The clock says **7:14**
